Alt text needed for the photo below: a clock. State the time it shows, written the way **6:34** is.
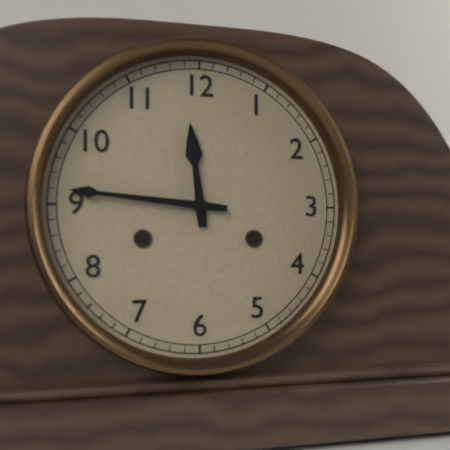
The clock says **11:46**
